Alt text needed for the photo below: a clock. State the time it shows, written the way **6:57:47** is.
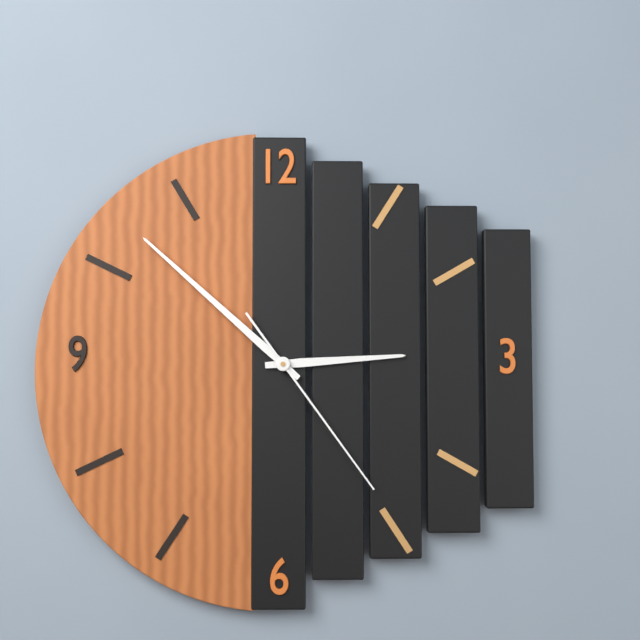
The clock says **2:52:24**
